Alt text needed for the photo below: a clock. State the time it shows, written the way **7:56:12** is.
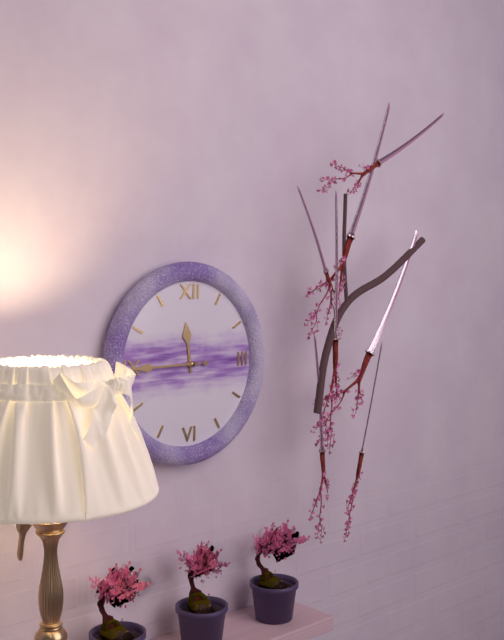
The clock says **11:45:45**
